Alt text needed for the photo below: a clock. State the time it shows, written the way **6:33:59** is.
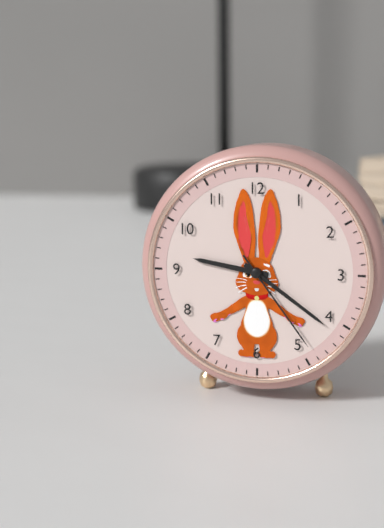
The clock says **9:21:24**
